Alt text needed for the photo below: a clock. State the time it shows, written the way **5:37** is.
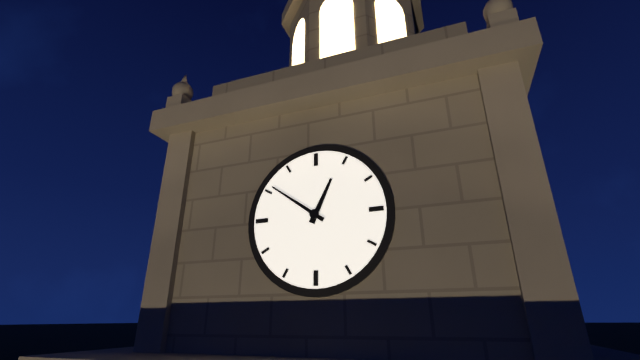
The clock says **12:51**
